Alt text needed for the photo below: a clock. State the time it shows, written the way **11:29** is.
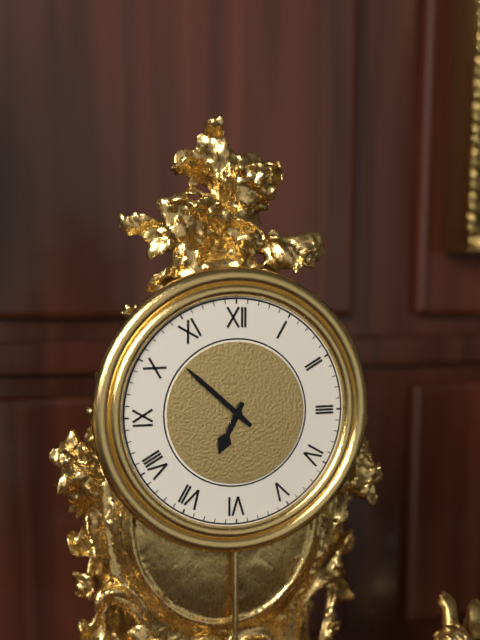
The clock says **6:52**
